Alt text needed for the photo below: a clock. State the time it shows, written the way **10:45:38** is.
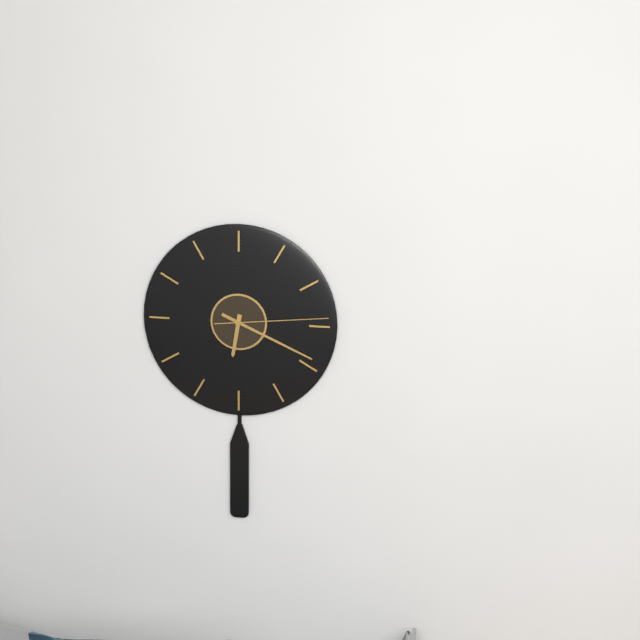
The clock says **6:19:14**
